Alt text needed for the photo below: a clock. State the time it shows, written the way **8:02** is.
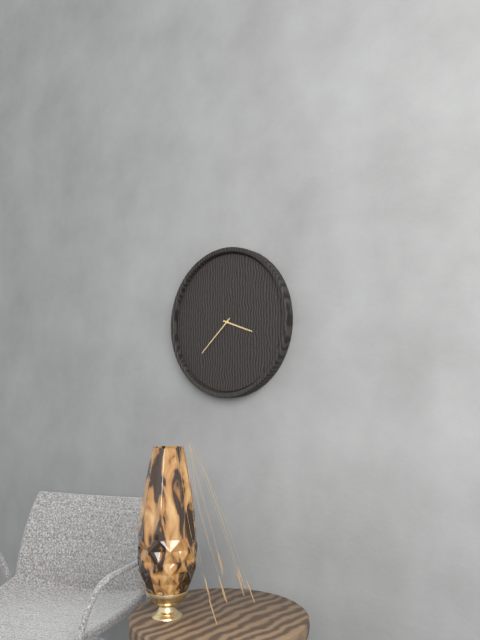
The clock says **3:38**
